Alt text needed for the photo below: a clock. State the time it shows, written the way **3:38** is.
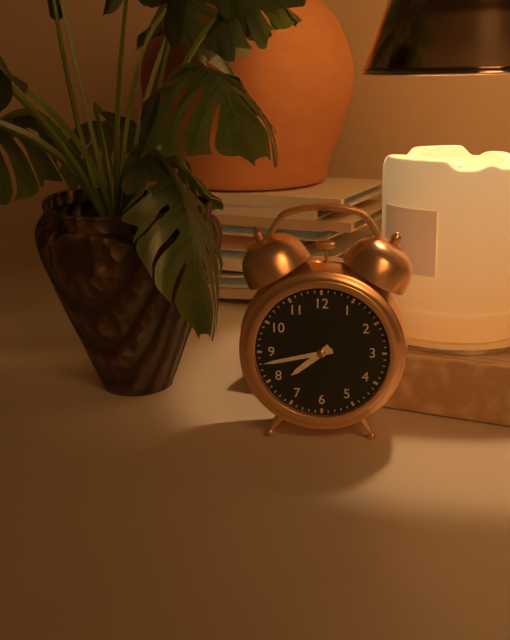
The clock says **7:43**
